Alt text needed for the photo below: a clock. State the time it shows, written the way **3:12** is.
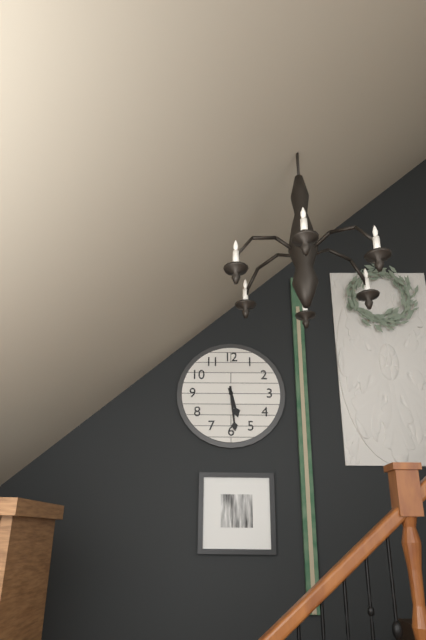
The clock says **5:29**
